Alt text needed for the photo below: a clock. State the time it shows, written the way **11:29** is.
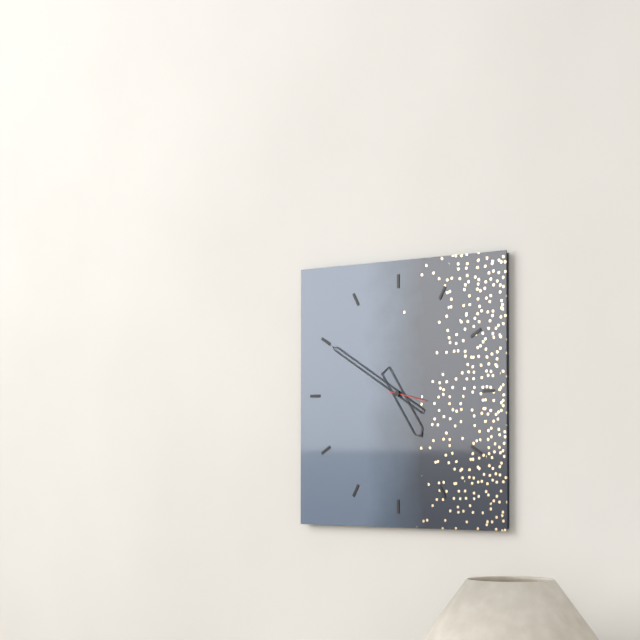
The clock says **4:50**
